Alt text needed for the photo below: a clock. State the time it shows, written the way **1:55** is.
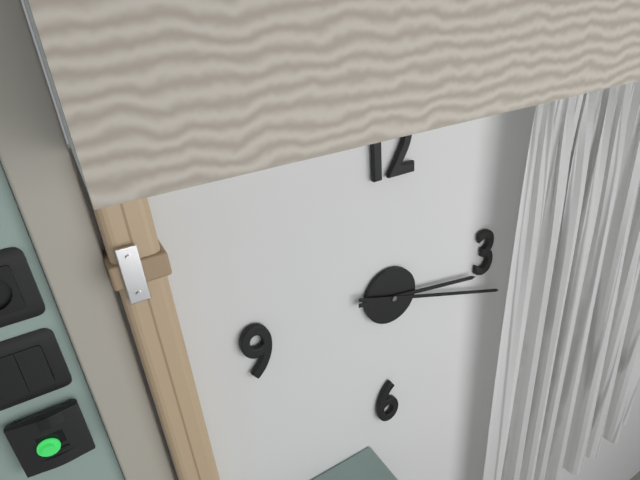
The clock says **3:18**
